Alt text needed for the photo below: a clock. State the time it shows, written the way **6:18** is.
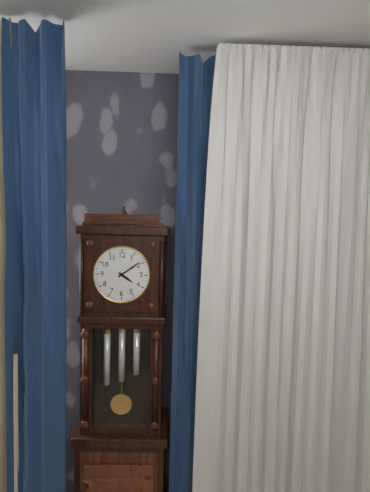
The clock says **4:09**
